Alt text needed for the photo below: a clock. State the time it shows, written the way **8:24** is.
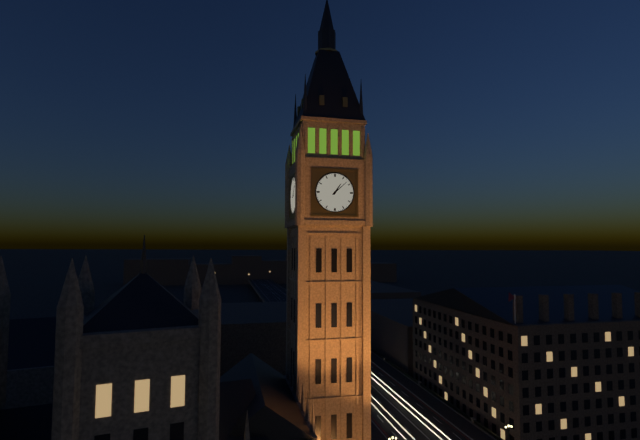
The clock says **1:08**
